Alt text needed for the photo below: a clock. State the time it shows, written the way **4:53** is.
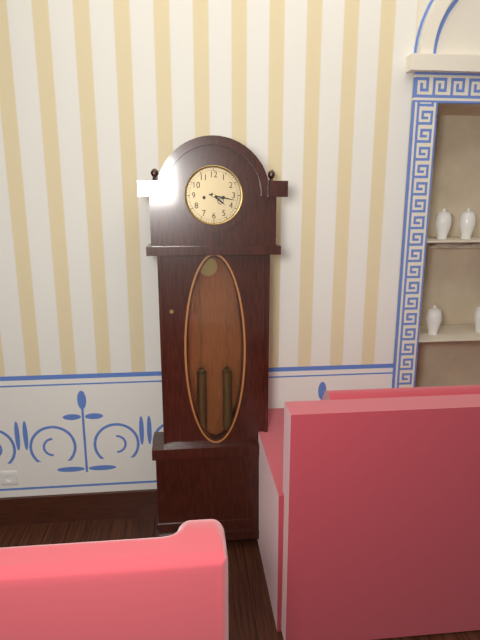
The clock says **4:17**
